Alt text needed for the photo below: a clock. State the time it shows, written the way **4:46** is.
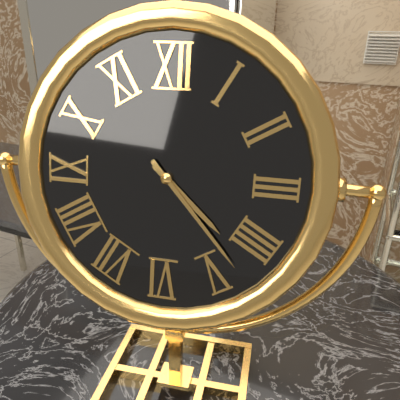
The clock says **4:23**
